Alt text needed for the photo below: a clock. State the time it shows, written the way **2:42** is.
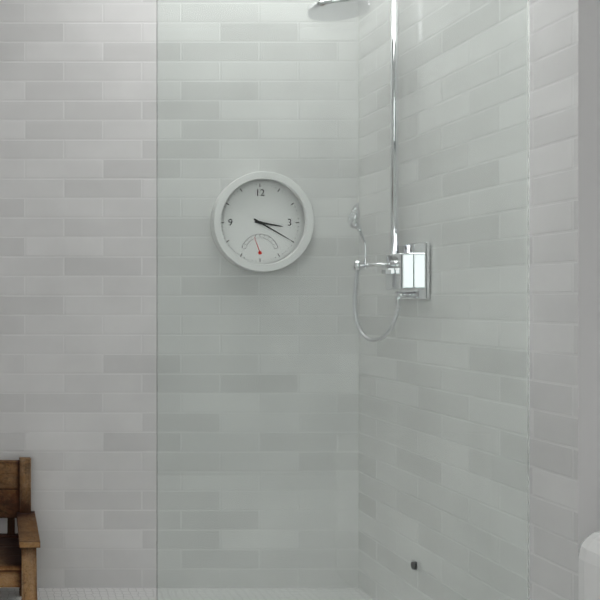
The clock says **3:20**
